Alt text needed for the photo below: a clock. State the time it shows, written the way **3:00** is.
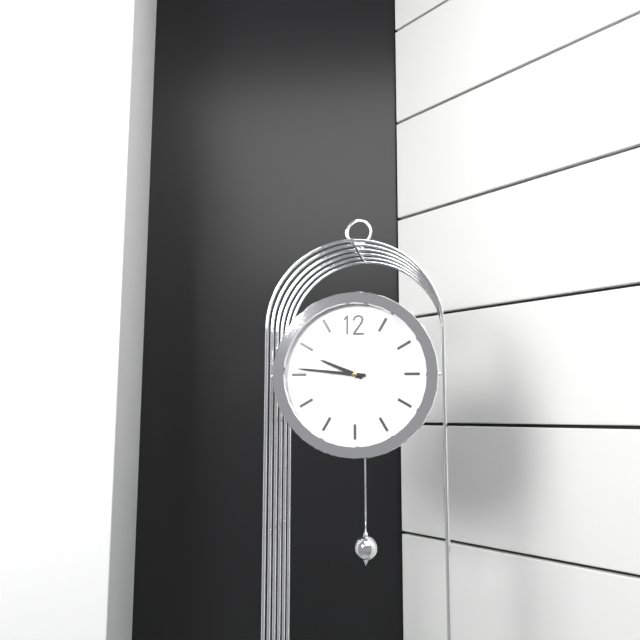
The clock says **9:46**
